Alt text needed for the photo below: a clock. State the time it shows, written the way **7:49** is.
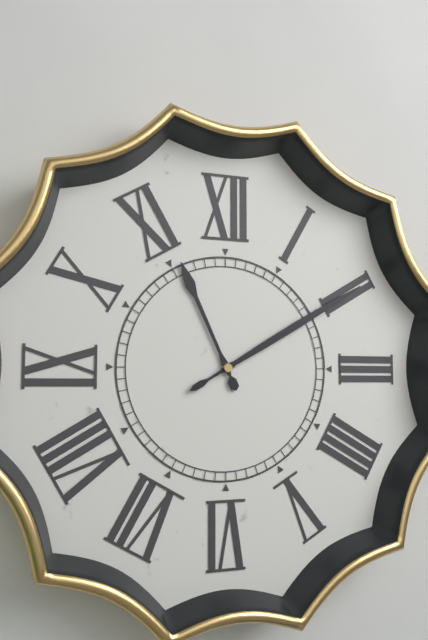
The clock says **11:10**
